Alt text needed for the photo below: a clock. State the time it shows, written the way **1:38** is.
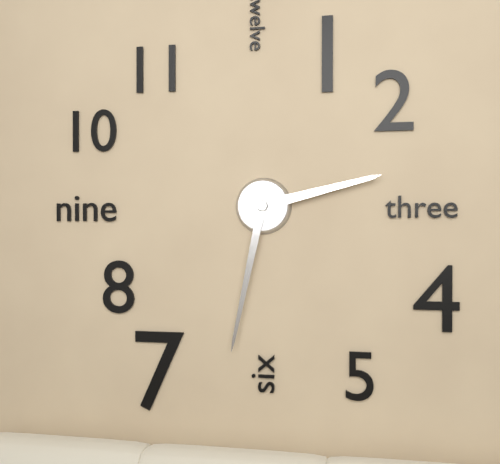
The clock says **2:32**
